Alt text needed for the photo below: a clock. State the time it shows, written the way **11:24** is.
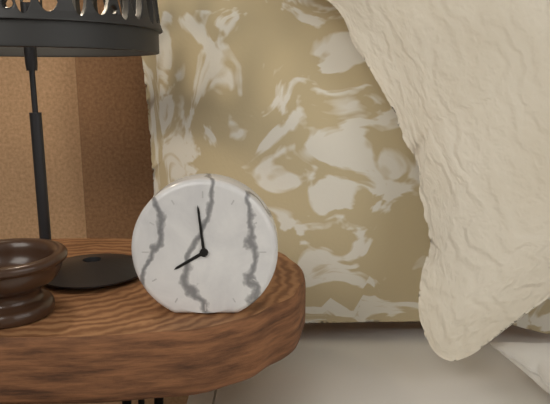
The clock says **7:59**
